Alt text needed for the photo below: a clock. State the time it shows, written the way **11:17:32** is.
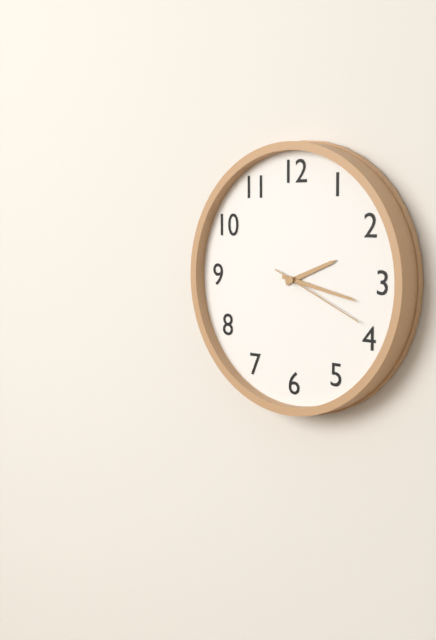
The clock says **2:17:19**
